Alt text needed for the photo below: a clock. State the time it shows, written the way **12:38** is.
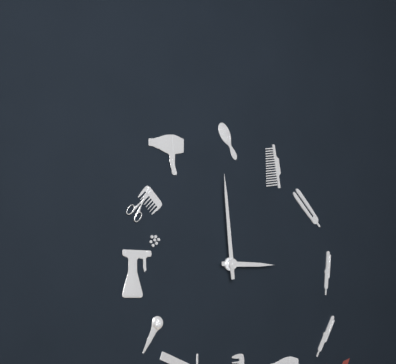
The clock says **2:59**
